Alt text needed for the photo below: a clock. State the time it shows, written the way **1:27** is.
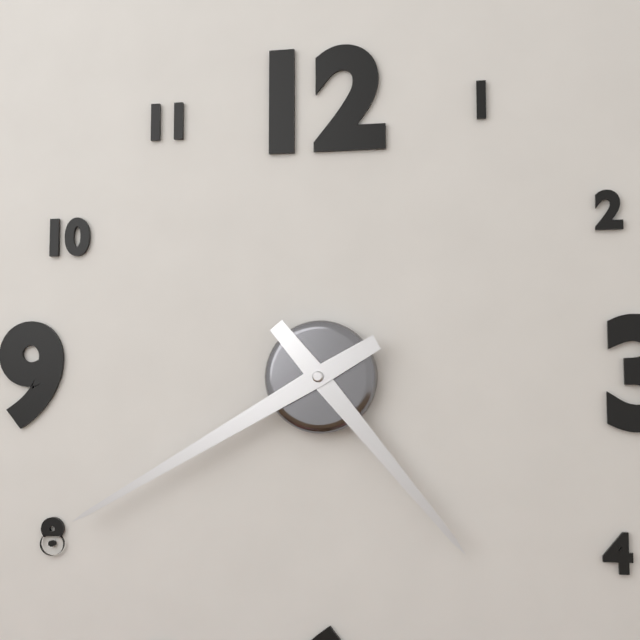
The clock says **4:40**
